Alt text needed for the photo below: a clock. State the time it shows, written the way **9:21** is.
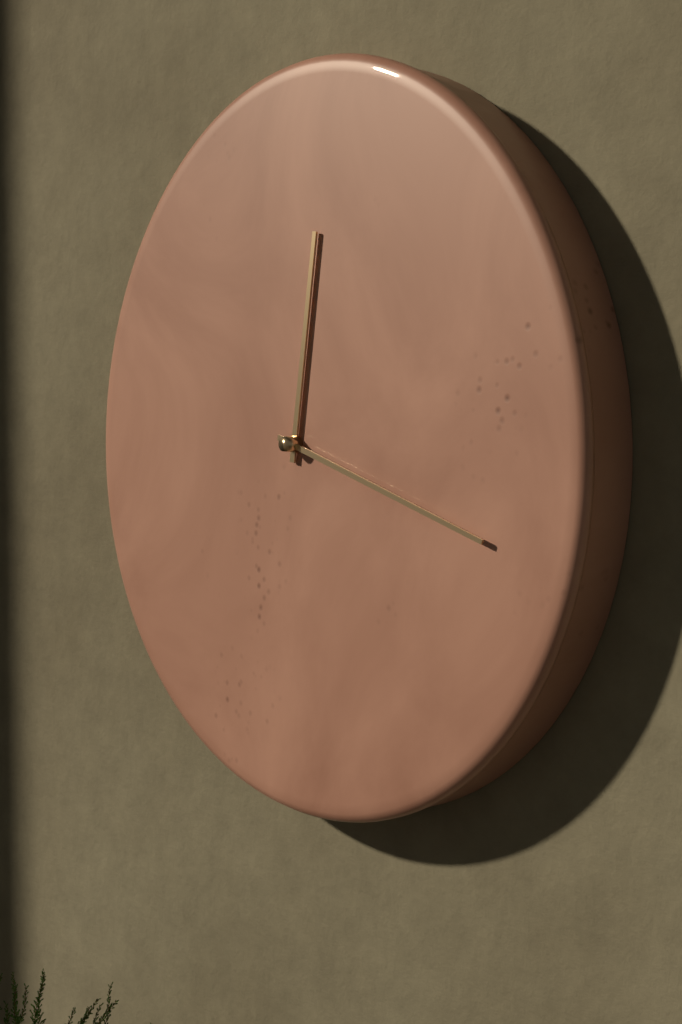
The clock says **12:18**
